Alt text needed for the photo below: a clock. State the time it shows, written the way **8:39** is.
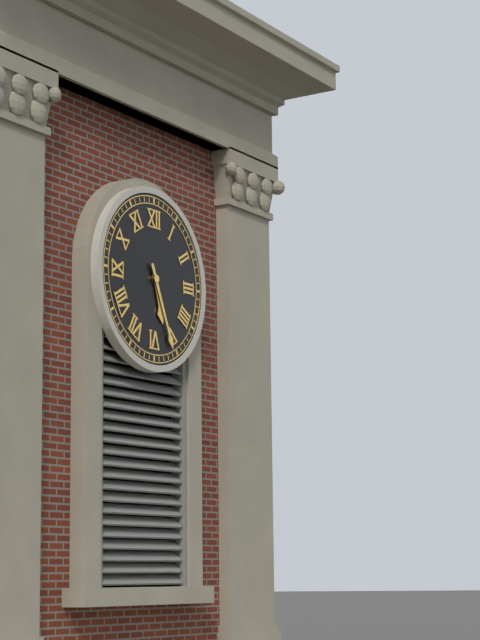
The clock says **5:26**
